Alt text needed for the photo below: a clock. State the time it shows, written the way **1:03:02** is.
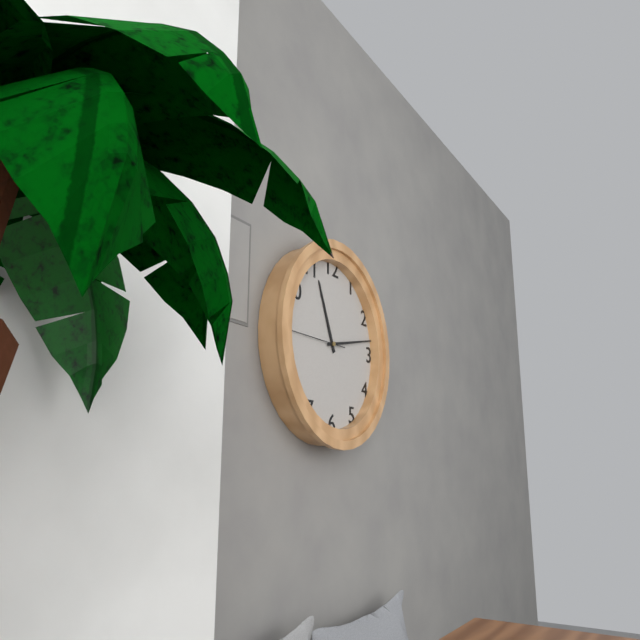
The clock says **11:13:45**
